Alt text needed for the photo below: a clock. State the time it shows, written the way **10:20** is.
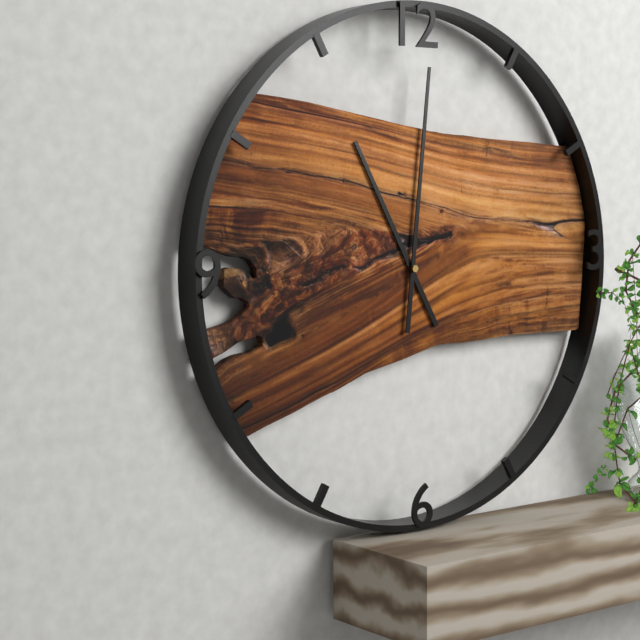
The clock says **11:01**
